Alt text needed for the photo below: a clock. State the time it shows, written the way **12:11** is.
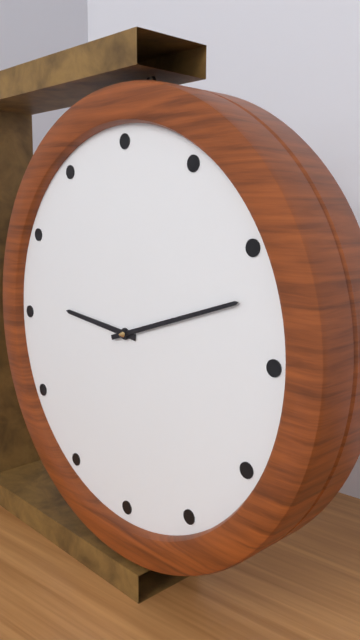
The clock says **9:12**
